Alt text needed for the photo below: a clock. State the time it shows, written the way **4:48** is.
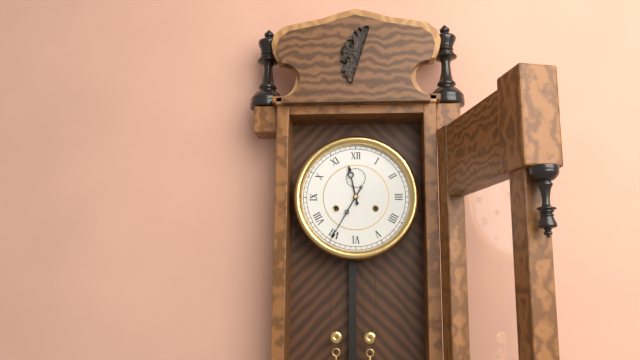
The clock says **11:35**
